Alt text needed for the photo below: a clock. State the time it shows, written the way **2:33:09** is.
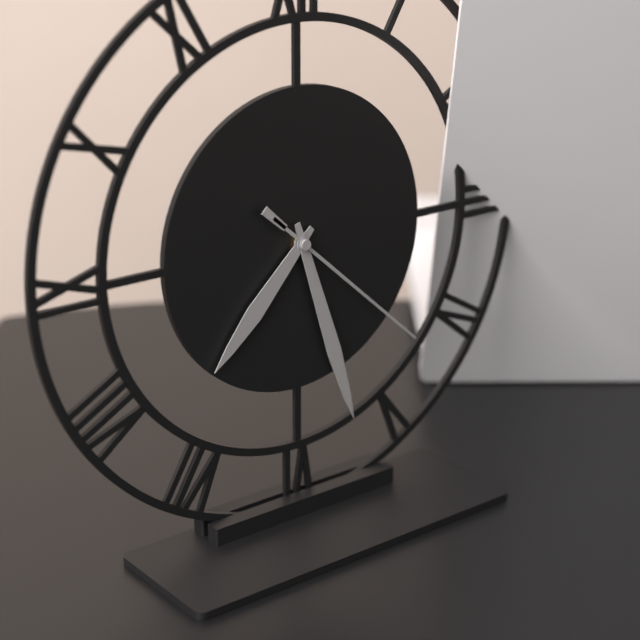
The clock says **7:27:22**
